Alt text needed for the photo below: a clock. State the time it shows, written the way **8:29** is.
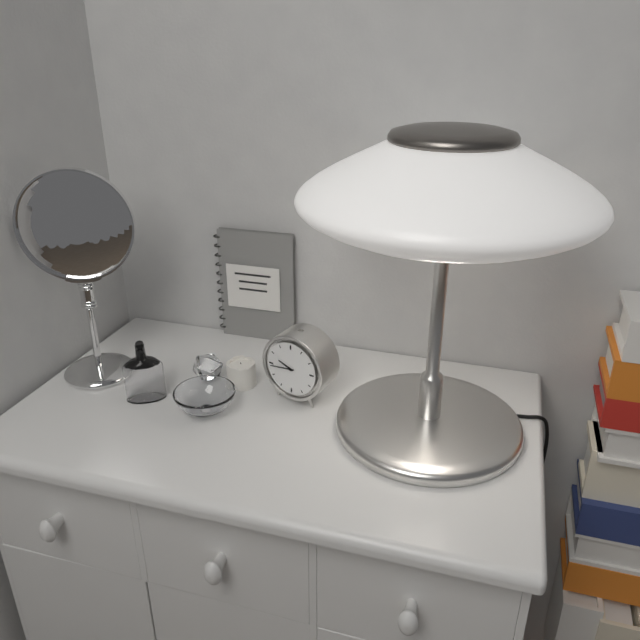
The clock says **9:44**
